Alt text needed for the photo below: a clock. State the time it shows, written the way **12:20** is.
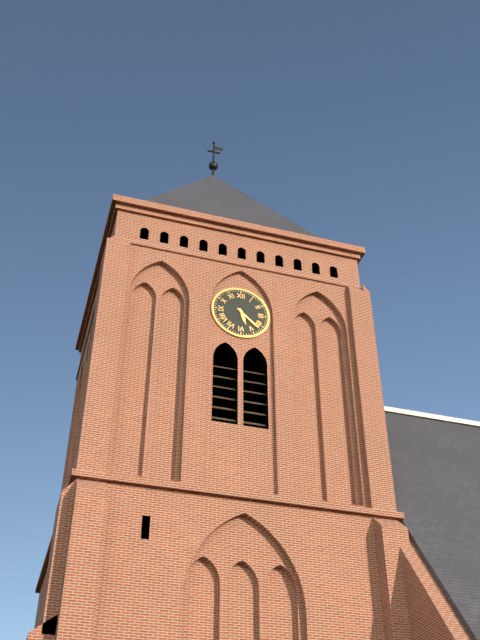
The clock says **5:22**
